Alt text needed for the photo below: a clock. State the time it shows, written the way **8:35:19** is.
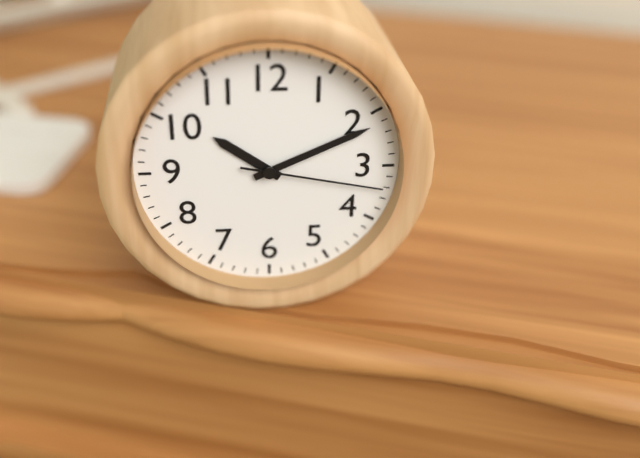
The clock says **10:11:17**
